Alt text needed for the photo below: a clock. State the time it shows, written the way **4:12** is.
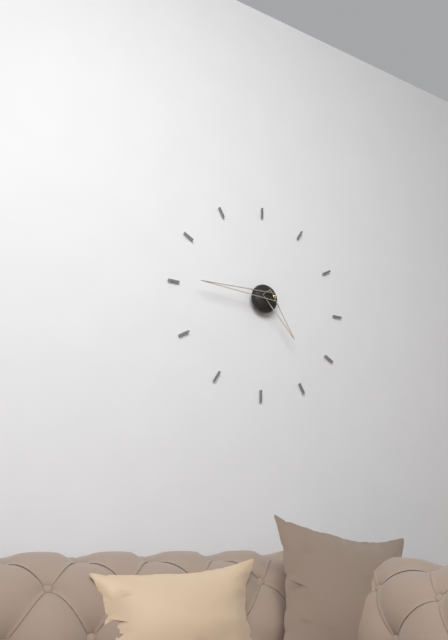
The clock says **4:45**
